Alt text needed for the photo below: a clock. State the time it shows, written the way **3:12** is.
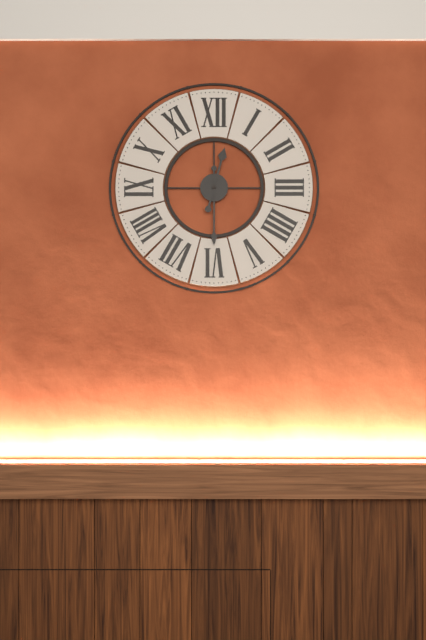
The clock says **12:30**
